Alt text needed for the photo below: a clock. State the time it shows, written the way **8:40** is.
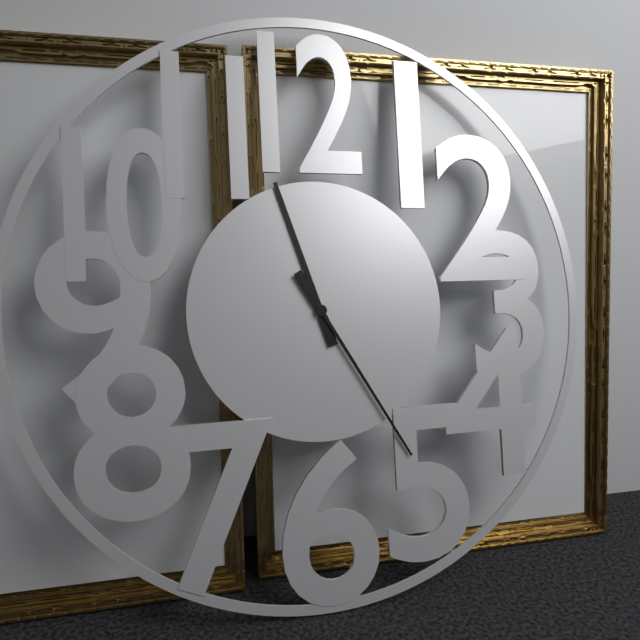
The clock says **11:25**
